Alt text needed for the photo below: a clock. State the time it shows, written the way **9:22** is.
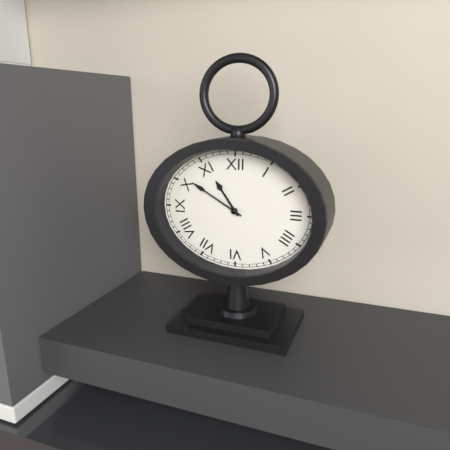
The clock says **10:50**
